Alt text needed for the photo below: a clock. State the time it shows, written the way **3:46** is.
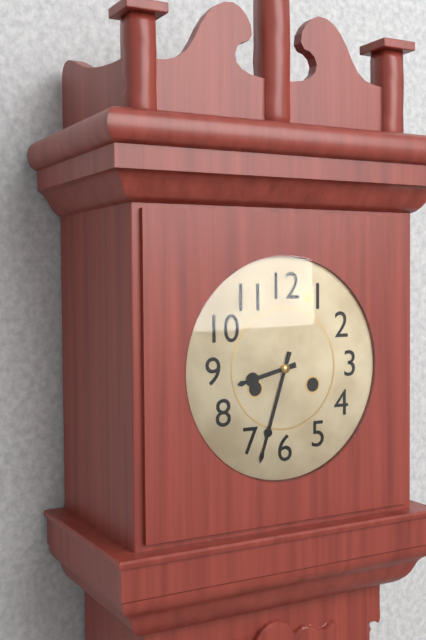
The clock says **8:33**
